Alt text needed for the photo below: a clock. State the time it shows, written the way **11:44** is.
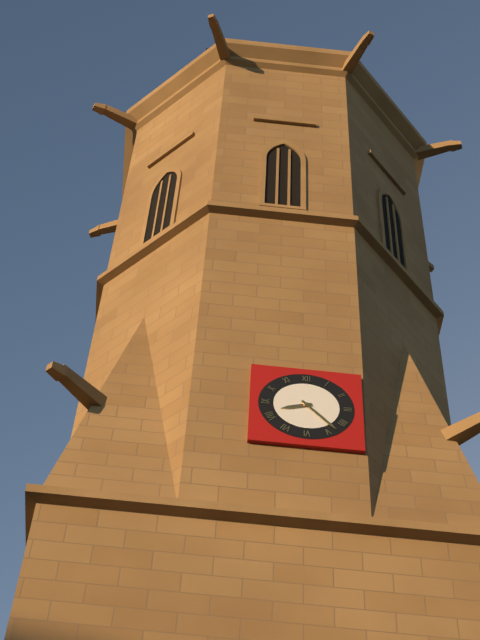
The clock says **8:23**
